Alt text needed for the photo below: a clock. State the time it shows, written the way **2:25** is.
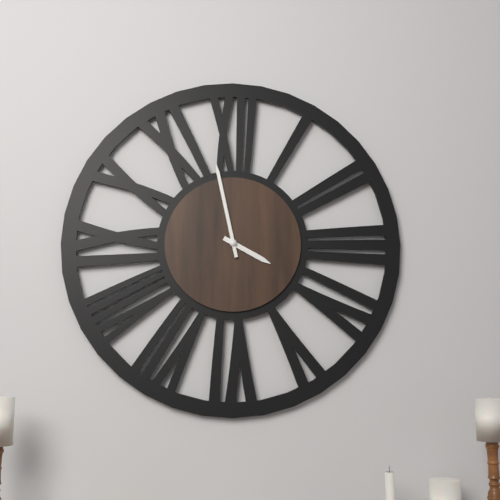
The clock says **3:58**
